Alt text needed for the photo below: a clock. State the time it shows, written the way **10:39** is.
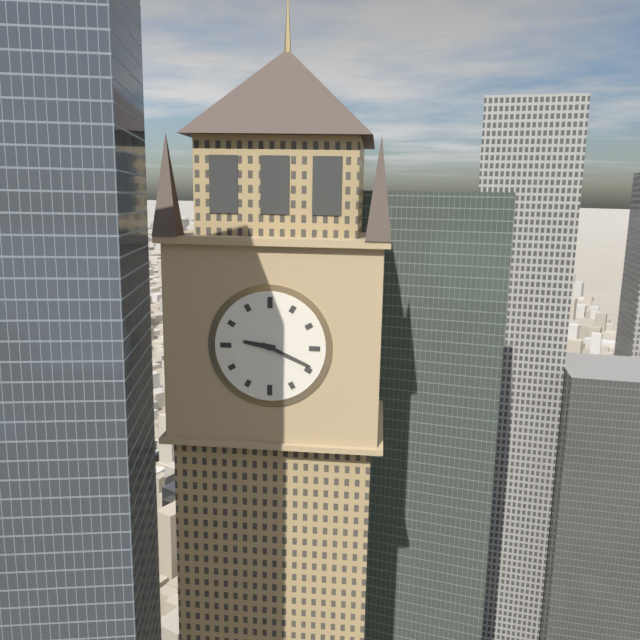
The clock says **9:19**
